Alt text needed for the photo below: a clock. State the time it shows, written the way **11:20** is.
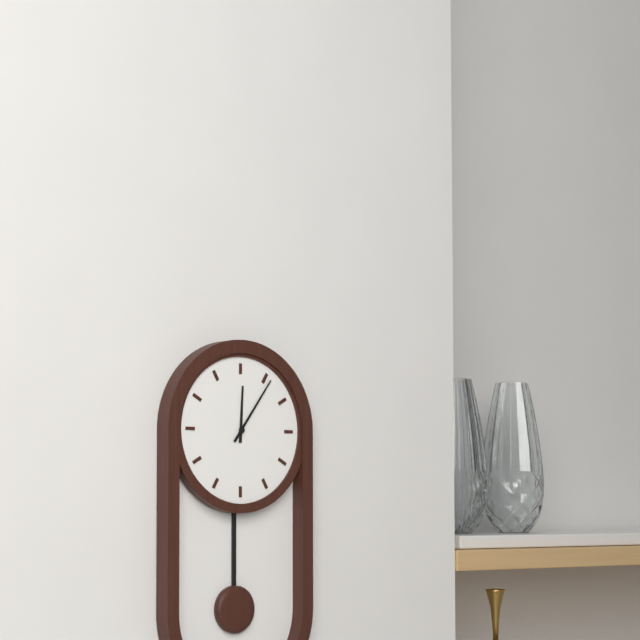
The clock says **12:06**
